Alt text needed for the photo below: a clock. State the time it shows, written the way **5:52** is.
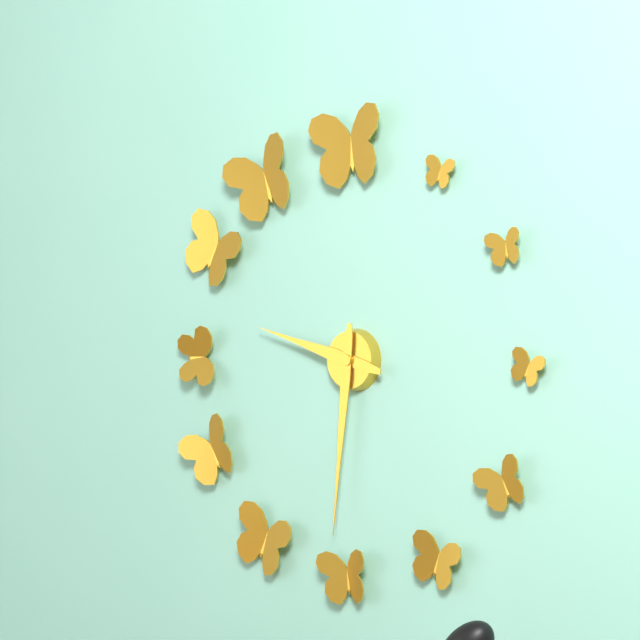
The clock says **9:31**
